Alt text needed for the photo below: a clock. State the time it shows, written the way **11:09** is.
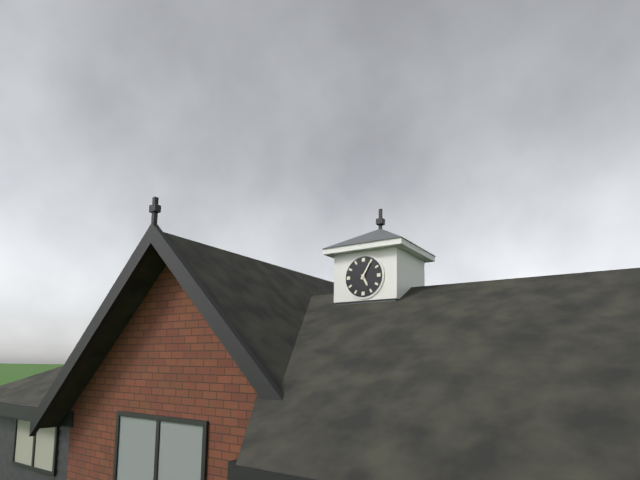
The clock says **5:05**
